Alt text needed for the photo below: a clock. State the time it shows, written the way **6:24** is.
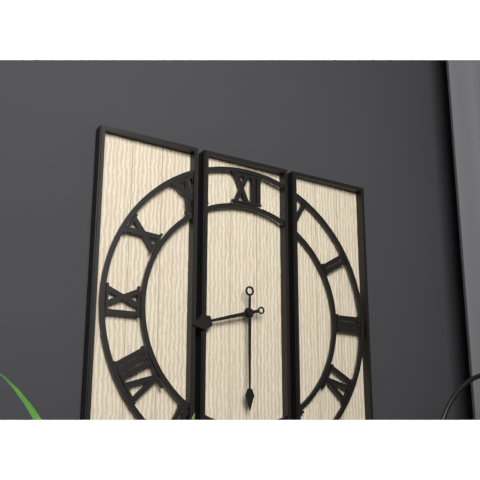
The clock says **8:30**
